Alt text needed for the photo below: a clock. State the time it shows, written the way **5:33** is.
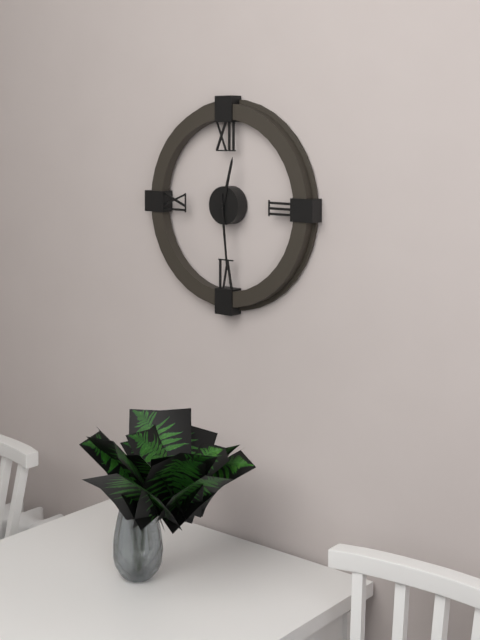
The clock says **12:29**
